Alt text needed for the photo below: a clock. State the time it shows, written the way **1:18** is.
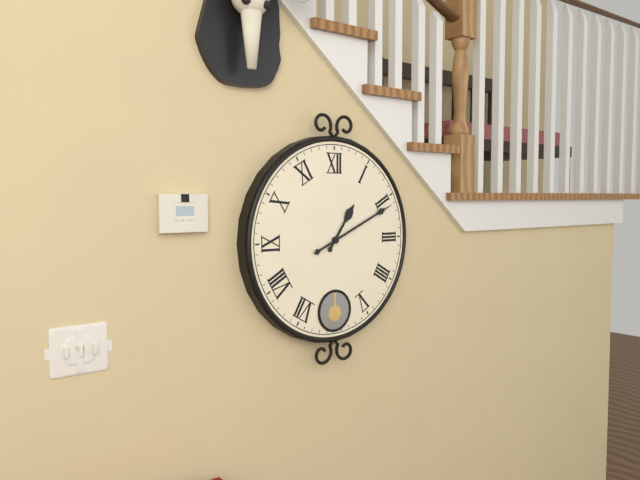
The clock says **1:11**
